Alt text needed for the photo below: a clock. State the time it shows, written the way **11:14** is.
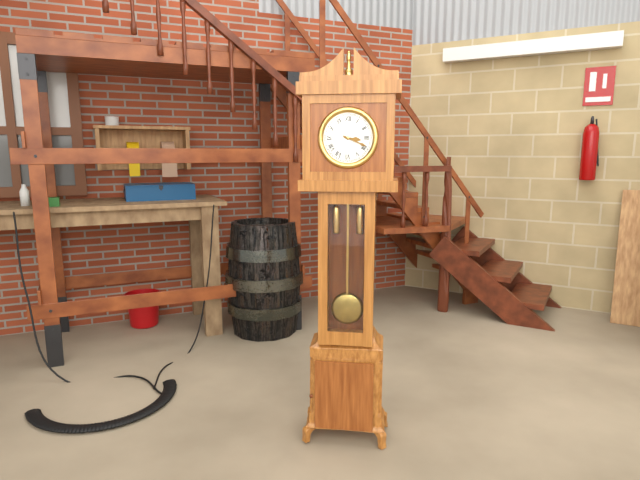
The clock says **3:19**
